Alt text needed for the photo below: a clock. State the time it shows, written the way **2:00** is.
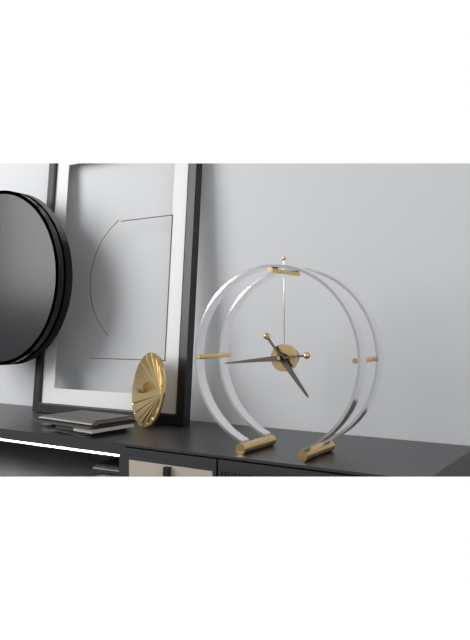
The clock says **4:44**
